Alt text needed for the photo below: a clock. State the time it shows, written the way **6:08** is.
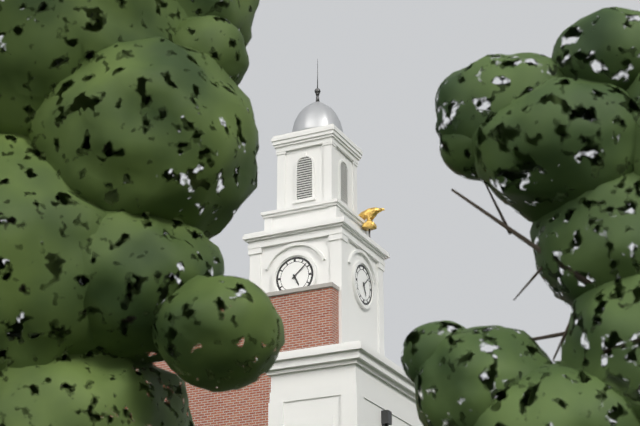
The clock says **5:08**
